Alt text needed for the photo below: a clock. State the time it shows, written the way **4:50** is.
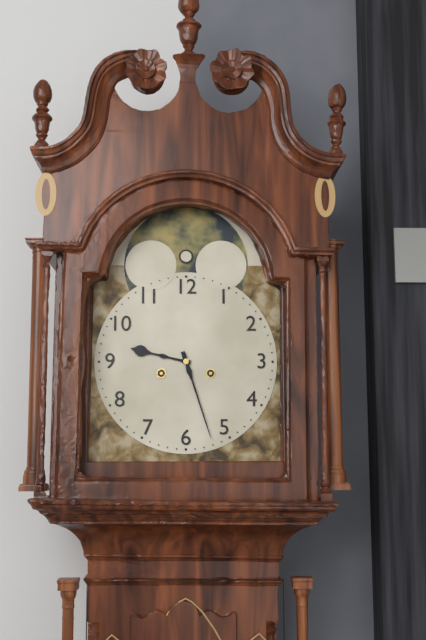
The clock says **9:27**
